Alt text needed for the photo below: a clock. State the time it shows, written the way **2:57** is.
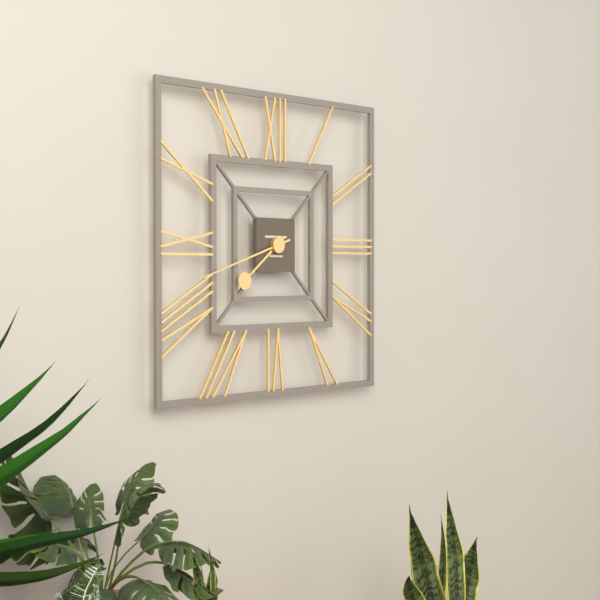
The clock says **7:42**
